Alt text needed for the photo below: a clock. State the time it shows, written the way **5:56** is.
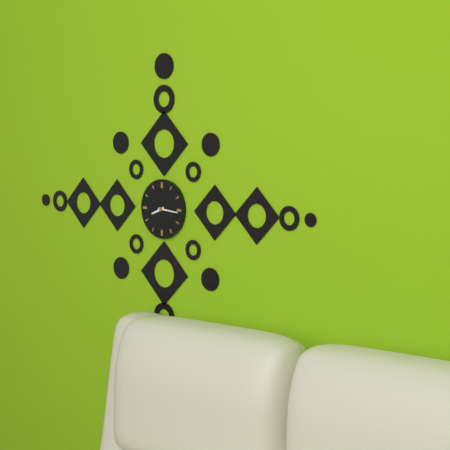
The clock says **8:16**
